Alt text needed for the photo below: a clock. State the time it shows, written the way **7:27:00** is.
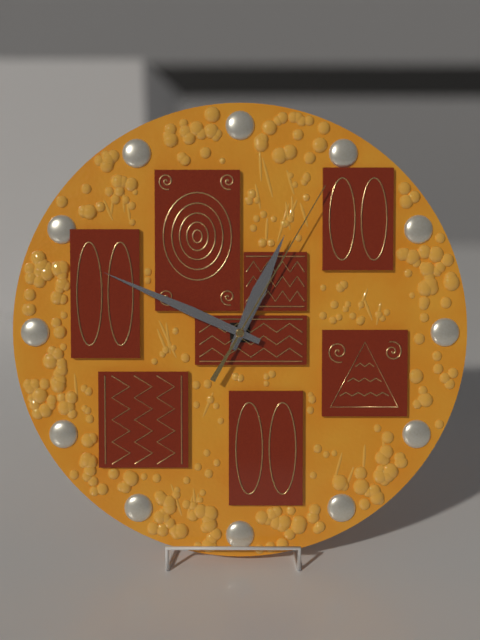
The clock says **12:49:05**
